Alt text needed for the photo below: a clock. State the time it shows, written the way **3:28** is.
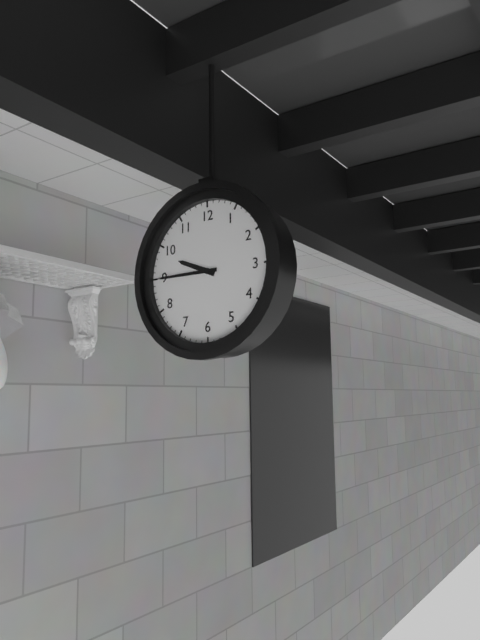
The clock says **9:45**
